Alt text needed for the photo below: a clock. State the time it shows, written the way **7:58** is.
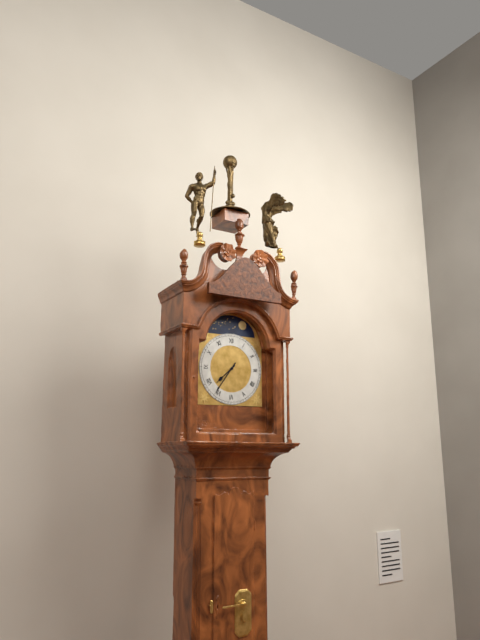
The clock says **7:36**
